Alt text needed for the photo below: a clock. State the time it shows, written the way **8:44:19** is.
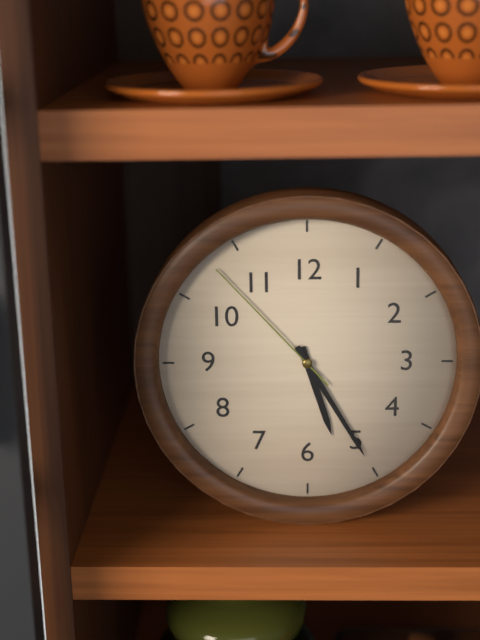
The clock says **5:25:53**
